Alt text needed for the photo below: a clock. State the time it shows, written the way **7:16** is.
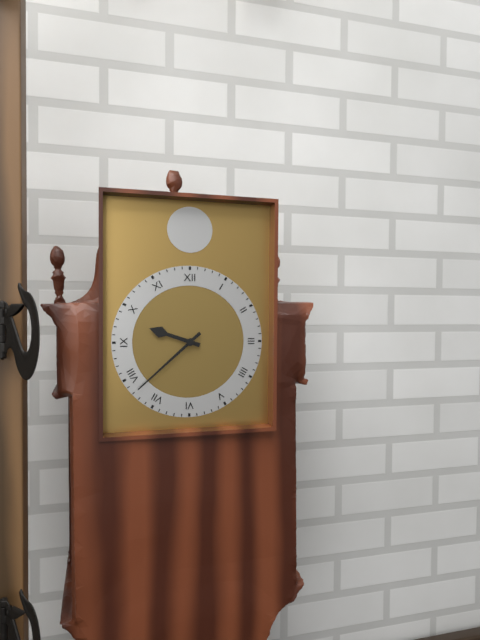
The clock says **9:38**
